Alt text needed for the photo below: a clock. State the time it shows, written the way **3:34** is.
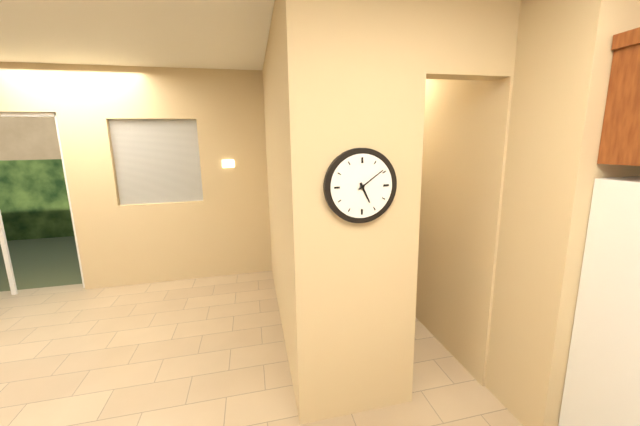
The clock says **5:09**
